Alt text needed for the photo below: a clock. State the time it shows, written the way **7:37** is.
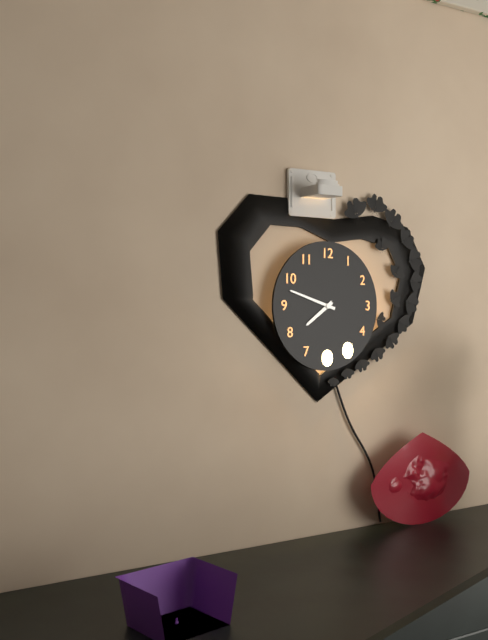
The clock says **7:48**
